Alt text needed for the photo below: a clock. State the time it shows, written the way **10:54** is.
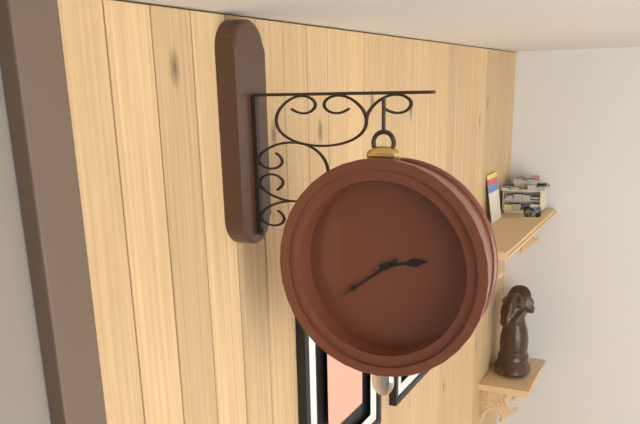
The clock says **2:39**
